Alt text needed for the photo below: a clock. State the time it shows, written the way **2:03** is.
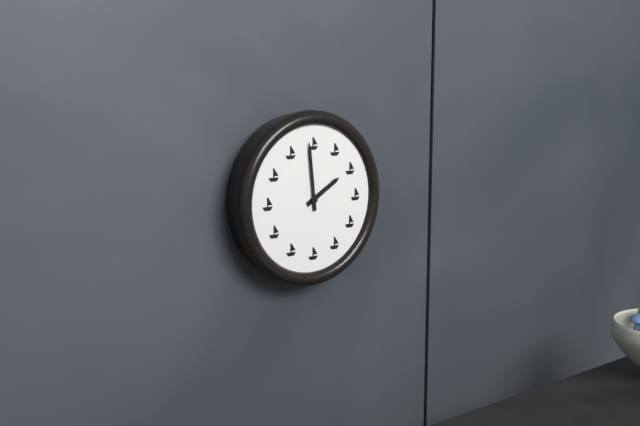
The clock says **1:59**
